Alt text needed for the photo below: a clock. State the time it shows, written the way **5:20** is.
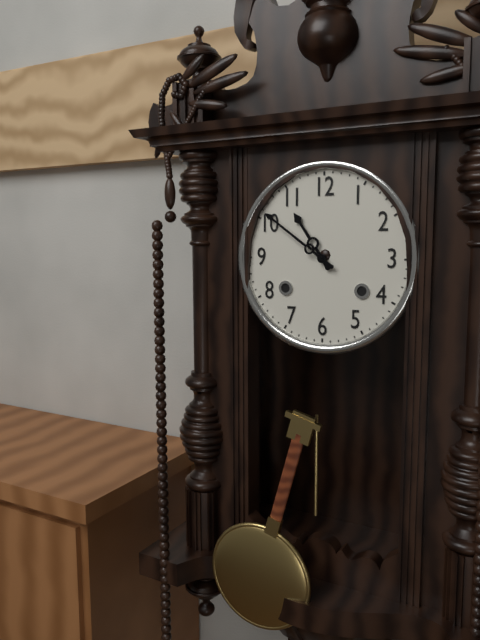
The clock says **10:51**
